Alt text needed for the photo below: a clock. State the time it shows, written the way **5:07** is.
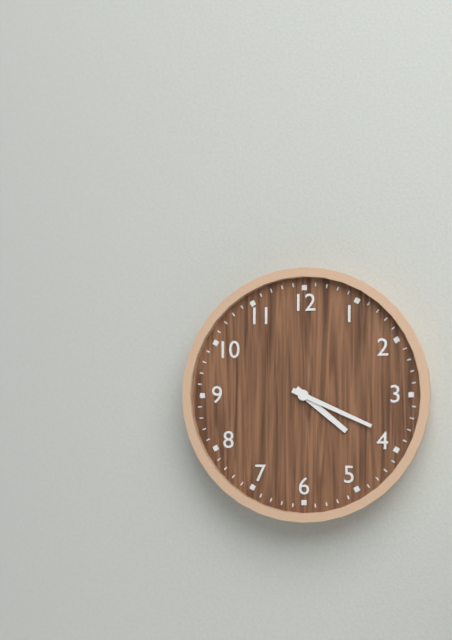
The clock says **4:19**
